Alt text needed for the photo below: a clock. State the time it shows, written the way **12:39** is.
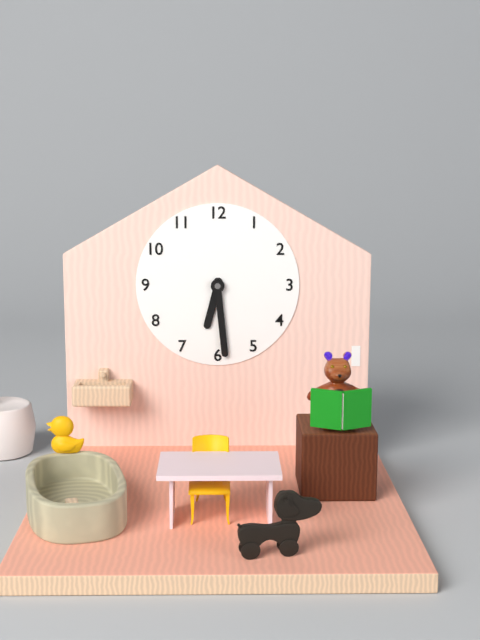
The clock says **6:29**
